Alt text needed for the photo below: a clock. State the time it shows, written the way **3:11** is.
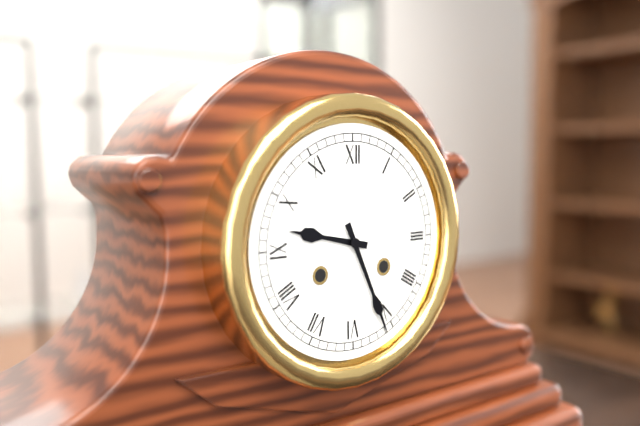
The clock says **9:26**
